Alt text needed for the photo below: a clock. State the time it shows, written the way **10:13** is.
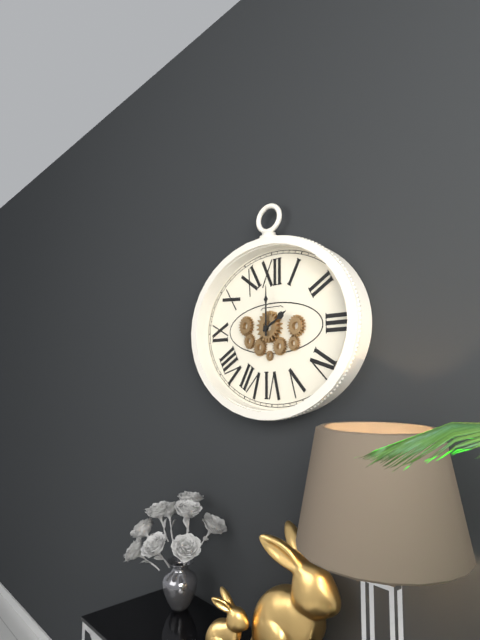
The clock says **2:00**
